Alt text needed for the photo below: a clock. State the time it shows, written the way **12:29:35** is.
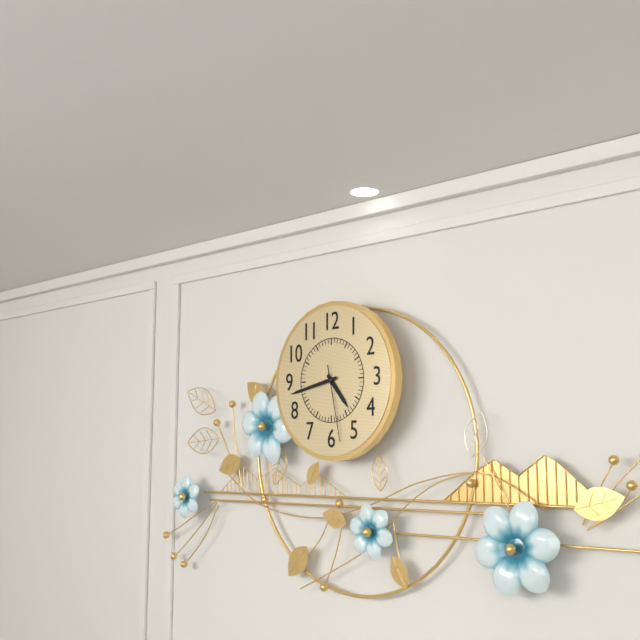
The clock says **4:43:28**
